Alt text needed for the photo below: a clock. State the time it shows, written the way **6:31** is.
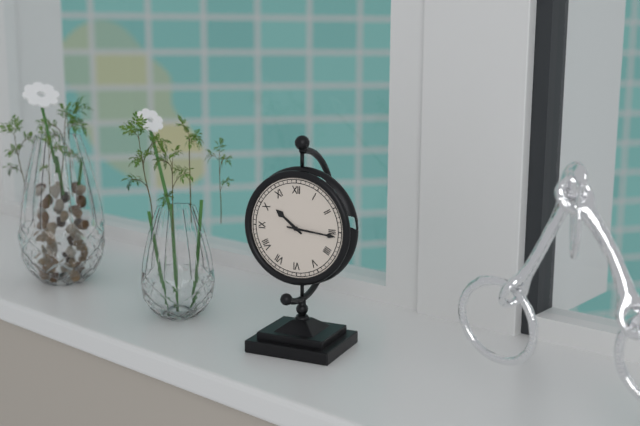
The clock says **10:16**
